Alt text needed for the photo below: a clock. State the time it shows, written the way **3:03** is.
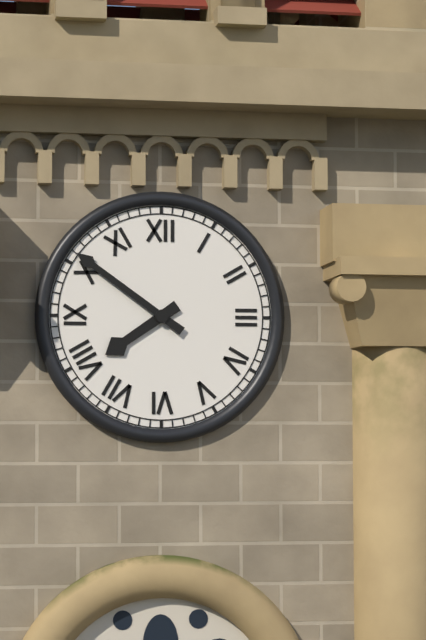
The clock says **7:51**
